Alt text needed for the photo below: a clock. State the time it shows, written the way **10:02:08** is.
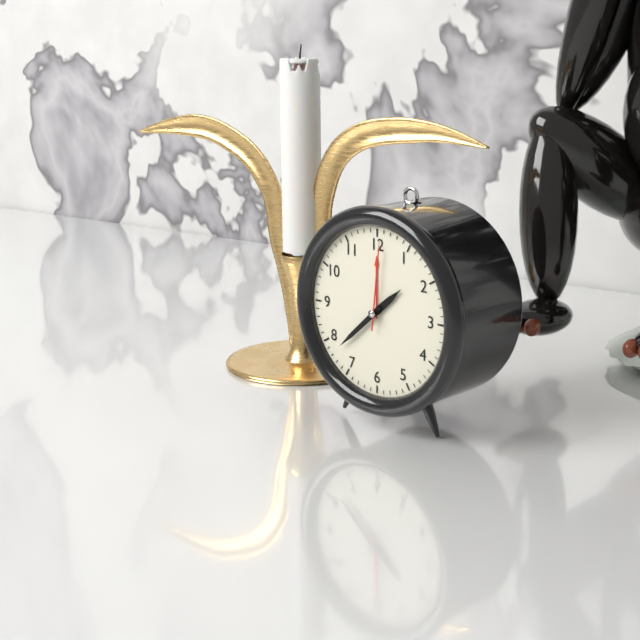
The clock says **1:38:01**
